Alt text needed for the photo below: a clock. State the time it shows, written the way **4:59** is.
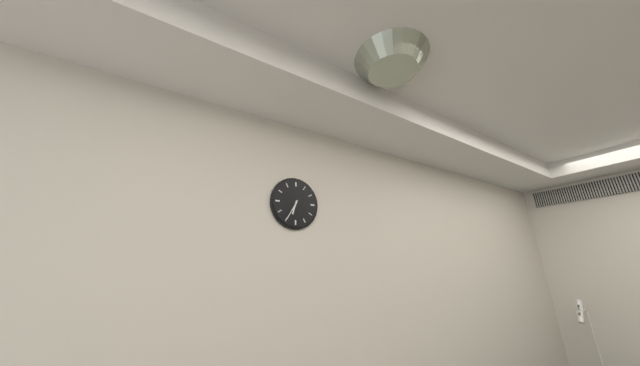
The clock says **6:35**
